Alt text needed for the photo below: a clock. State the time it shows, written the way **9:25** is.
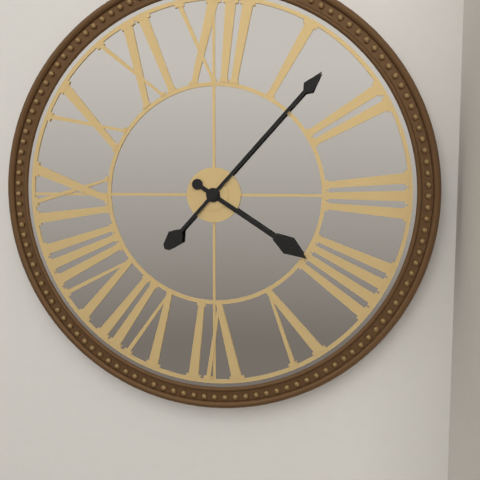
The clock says **4:07**
